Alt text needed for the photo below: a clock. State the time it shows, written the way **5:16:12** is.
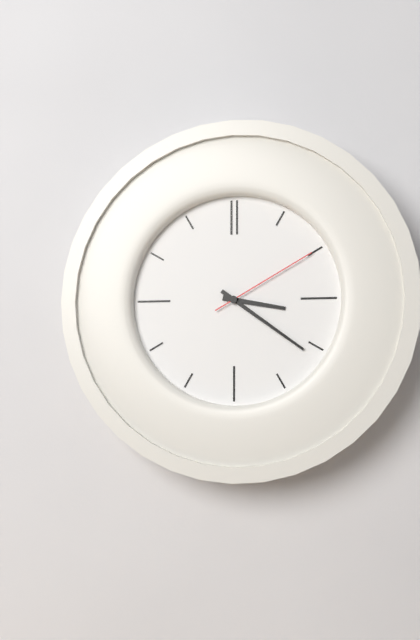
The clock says **3:21:10**
